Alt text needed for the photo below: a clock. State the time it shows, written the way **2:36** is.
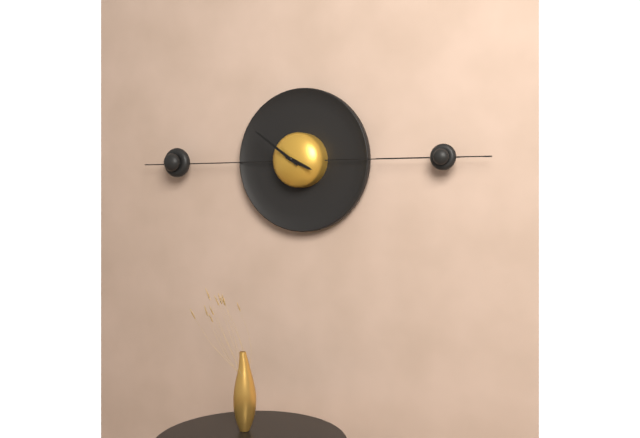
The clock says **3:51**
